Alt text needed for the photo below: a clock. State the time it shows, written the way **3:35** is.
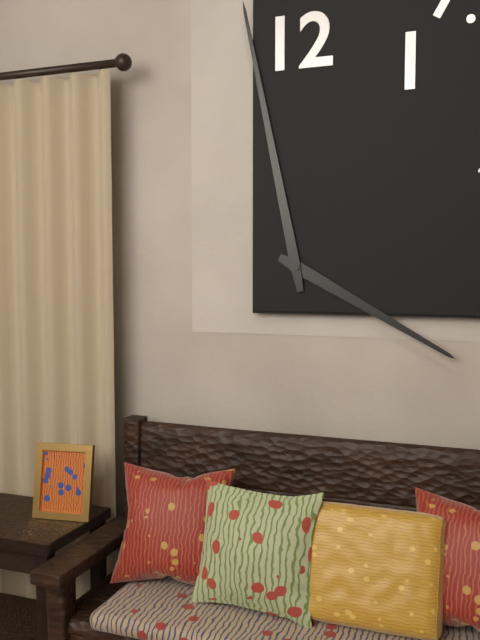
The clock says **3:58**
